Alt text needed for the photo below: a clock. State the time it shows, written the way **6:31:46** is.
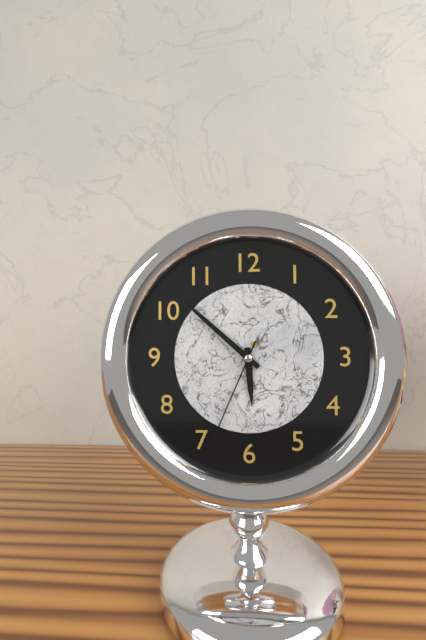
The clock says **5:52:34**
